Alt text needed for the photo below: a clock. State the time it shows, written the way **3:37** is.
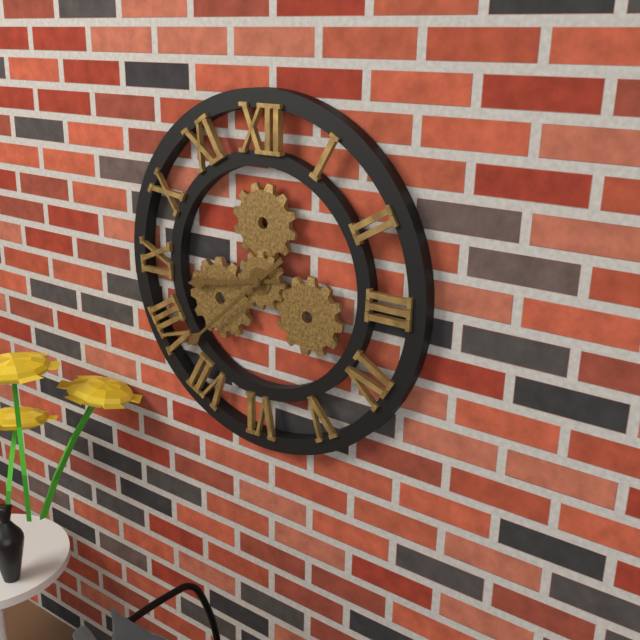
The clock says **8:38**
